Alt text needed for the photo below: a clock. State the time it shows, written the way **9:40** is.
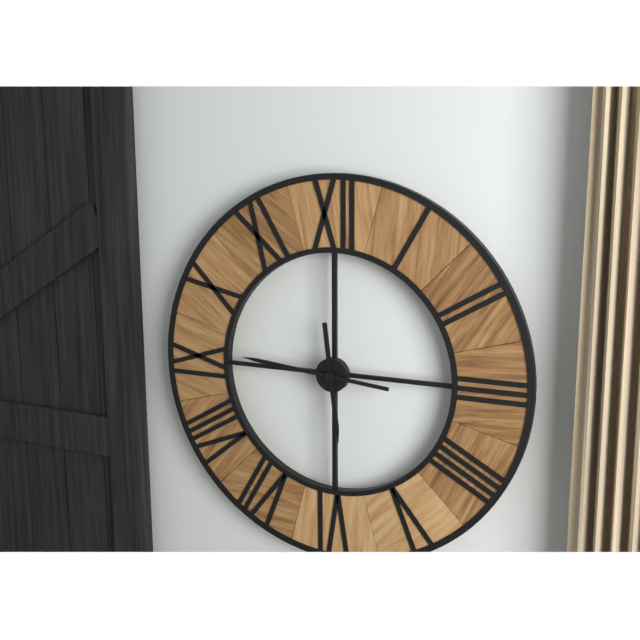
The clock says **5:46**
